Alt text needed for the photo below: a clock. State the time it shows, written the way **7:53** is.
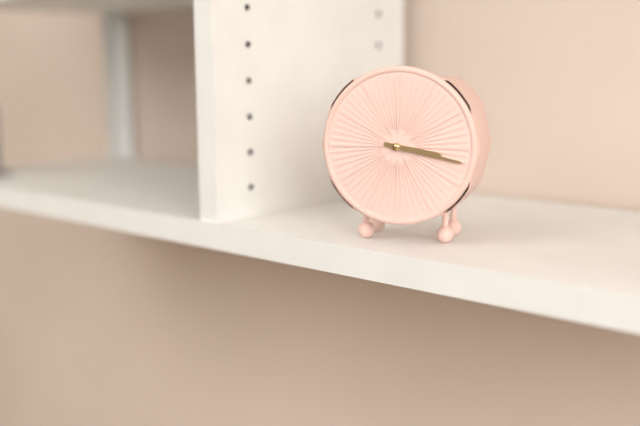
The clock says **3:17**
